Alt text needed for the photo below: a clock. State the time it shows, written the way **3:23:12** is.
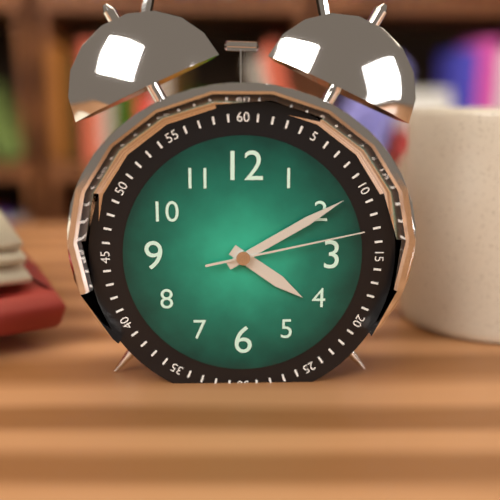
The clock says **4:10:13**
